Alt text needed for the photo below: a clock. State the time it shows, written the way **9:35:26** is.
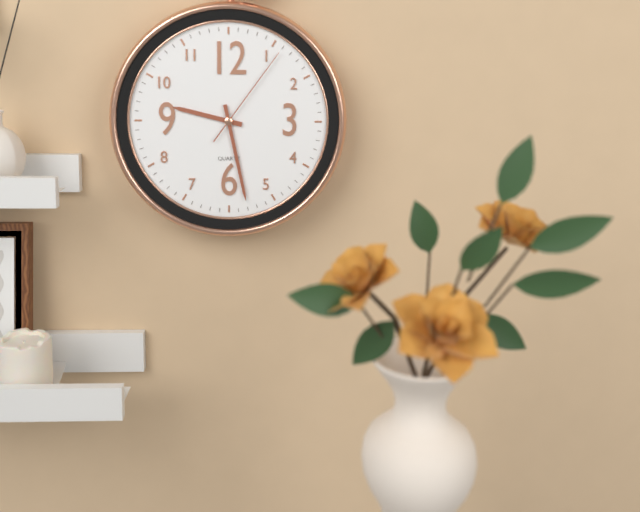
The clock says **9:28:06**
